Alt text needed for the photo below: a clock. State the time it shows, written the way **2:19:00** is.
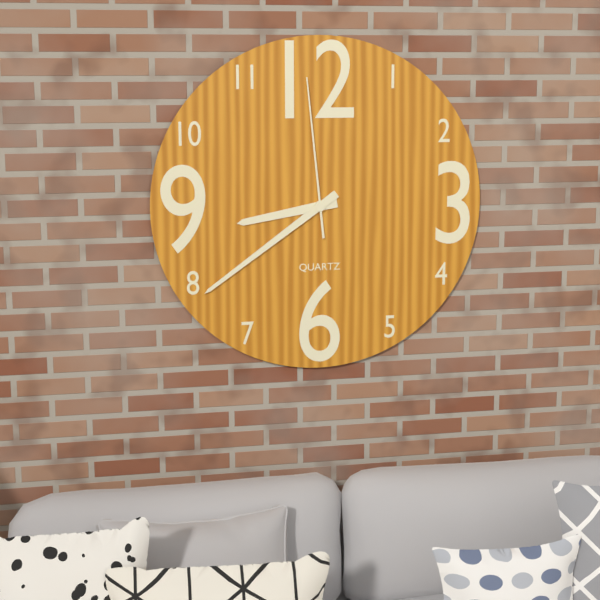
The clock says **8:39:59**
